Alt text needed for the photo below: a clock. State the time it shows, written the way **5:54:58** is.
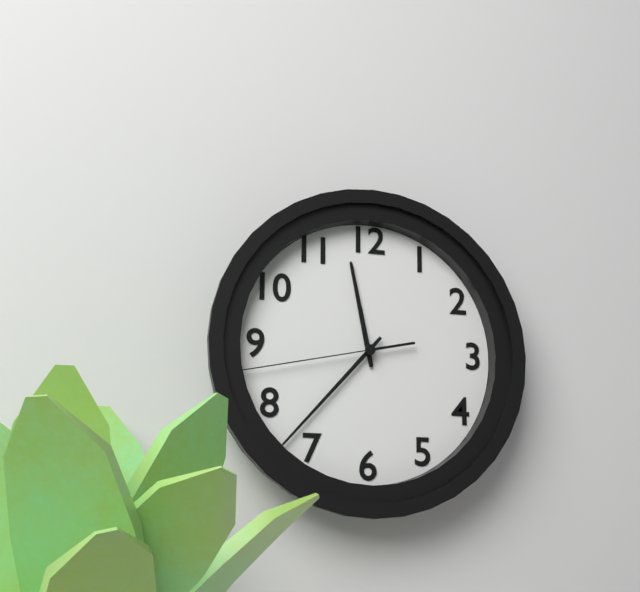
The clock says **11:37:43**
